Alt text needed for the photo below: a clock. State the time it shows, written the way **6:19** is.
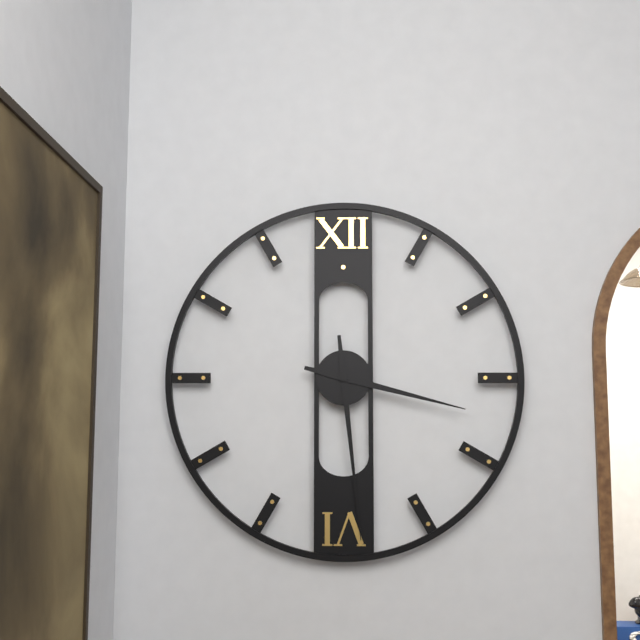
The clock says **3:29**
